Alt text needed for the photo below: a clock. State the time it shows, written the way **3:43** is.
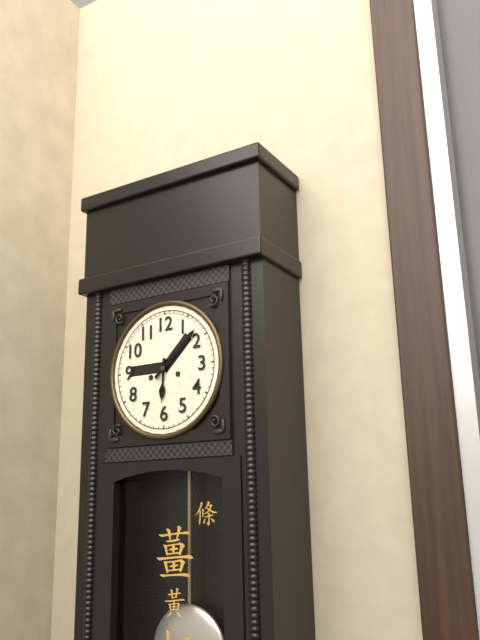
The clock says **6:08**
